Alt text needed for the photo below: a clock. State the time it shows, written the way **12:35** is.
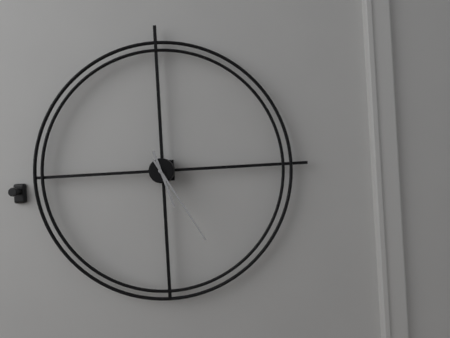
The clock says **5:25**
